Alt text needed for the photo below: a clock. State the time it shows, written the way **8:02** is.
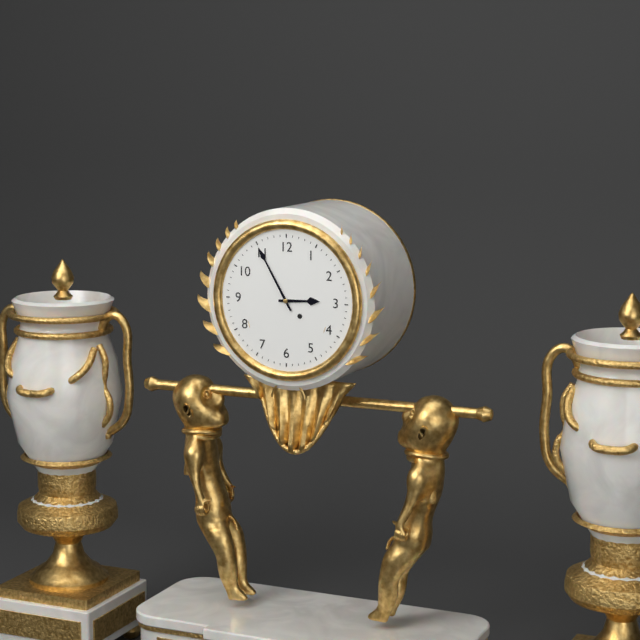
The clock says **2:55**
